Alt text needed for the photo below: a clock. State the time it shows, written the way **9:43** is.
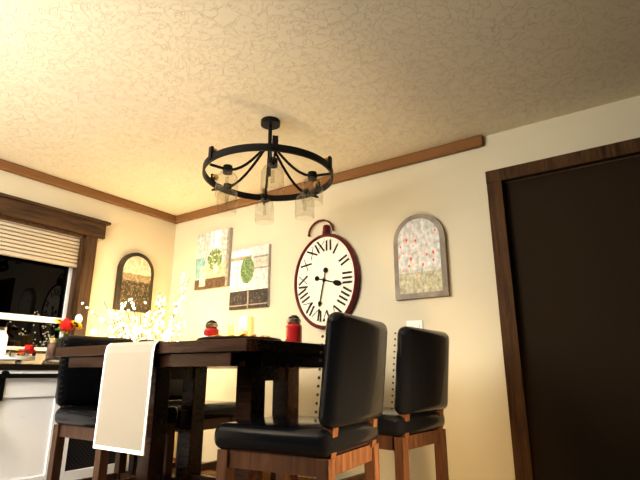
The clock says **3:32**
